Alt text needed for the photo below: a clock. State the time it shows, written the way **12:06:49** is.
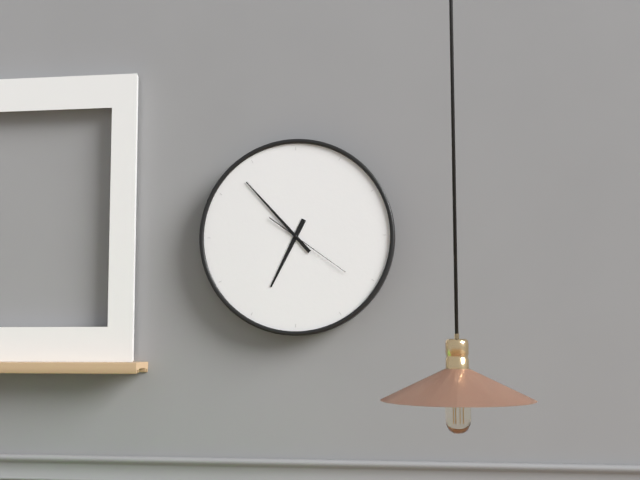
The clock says **6:53:21**
